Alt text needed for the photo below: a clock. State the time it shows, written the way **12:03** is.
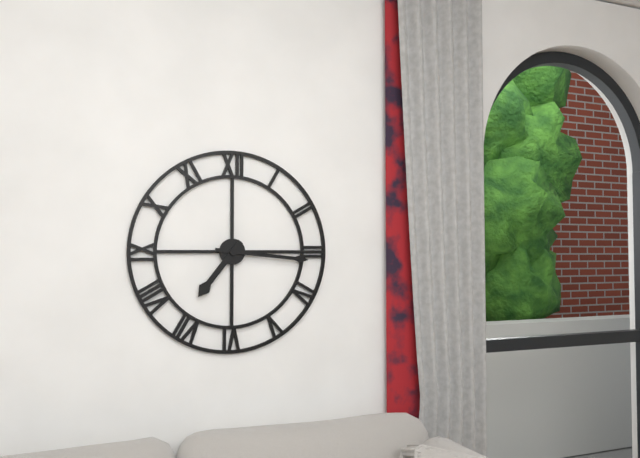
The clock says **7:16**
